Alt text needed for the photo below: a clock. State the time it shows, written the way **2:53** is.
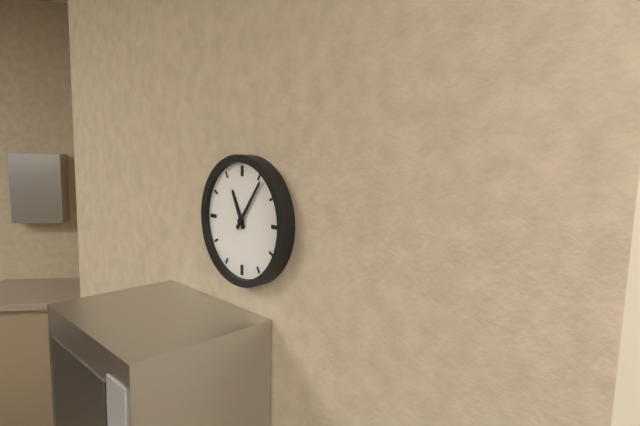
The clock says **11:06**
